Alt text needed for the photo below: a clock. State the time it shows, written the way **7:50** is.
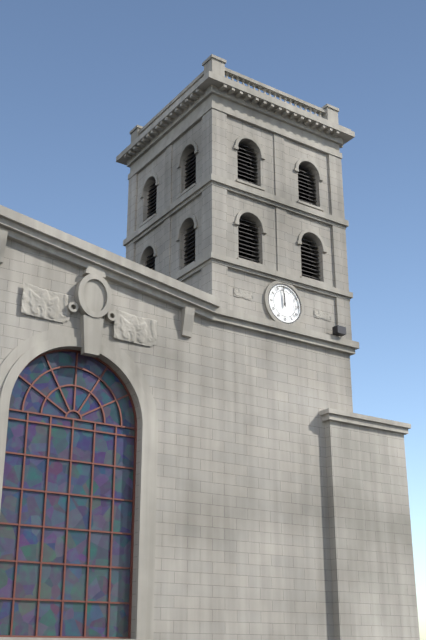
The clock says **11:59**
